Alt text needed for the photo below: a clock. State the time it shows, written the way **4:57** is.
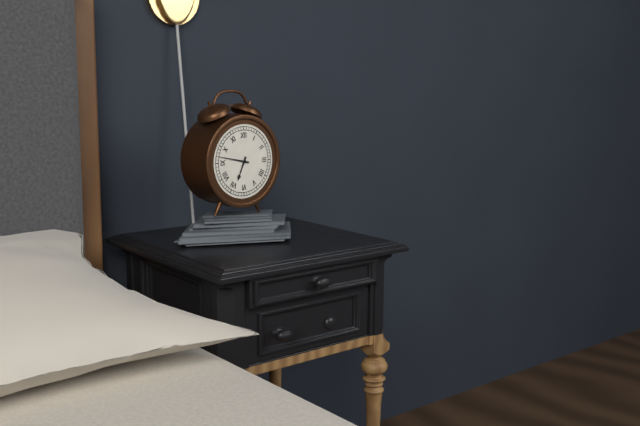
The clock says **6:47**
